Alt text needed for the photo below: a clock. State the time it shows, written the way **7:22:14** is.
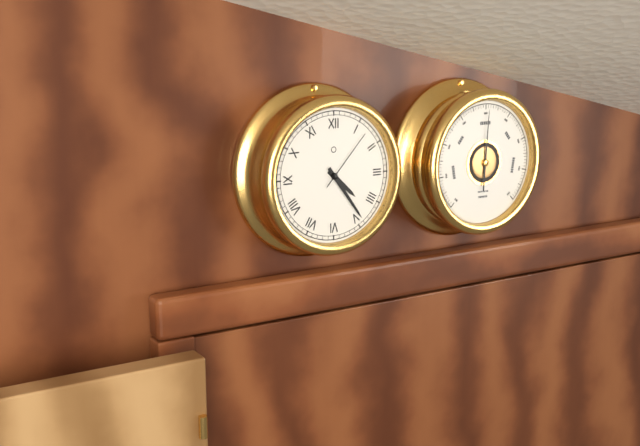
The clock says **4:24:07**
